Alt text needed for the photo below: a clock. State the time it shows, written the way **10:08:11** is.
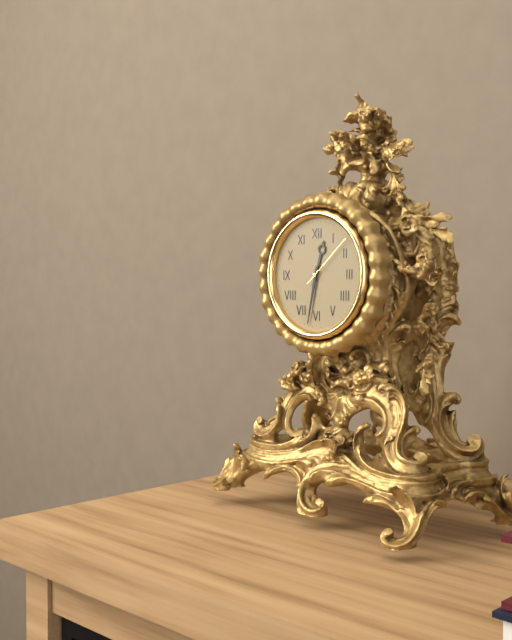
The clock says **12:32:08**
